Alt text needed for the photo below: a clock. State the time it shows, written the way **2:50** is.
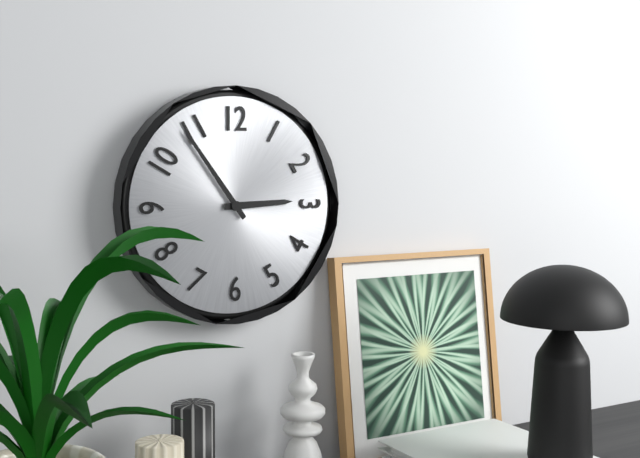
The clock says **2:54**
